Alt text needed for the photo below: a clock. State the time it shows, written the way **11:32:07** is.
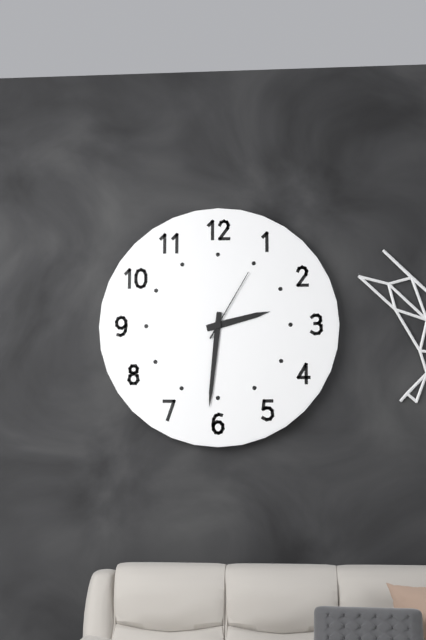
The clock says **2:31:05**
